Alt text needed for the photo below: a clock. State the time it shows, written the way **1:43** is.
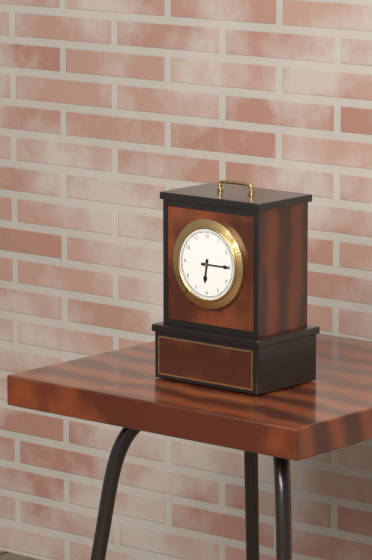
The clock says **6:15**
